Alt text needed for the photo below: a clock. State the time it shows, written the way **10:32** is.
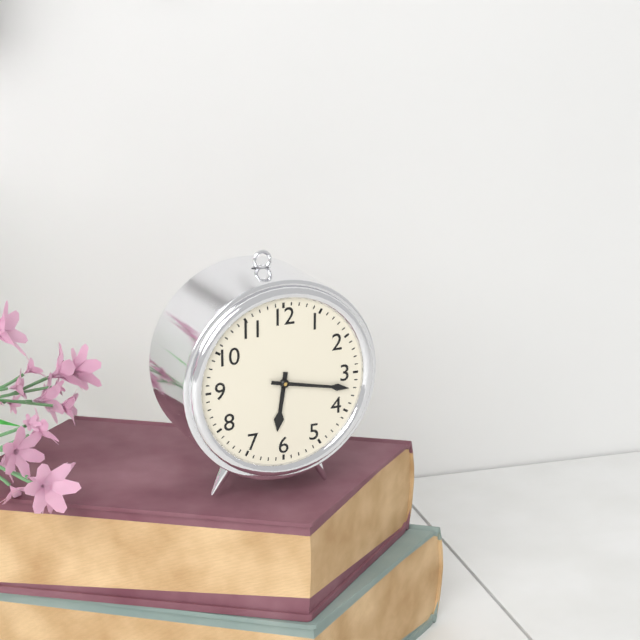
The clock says **6:17**
